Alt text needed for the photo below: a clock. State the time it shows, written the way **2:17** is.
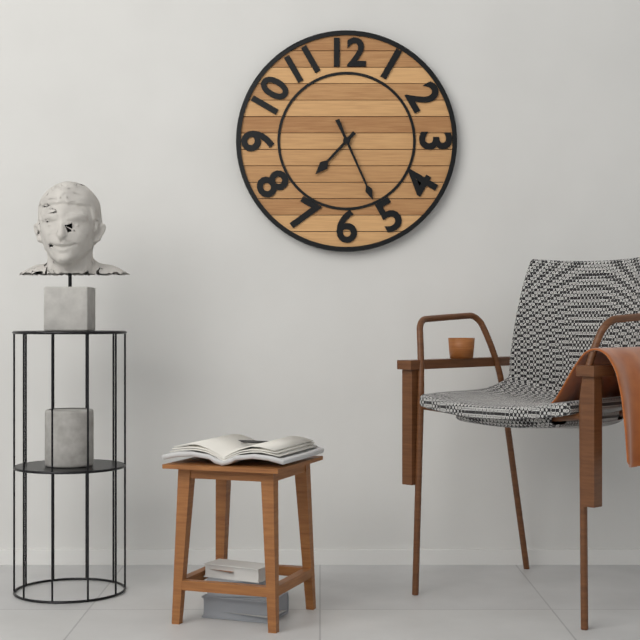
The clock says **7:26**
